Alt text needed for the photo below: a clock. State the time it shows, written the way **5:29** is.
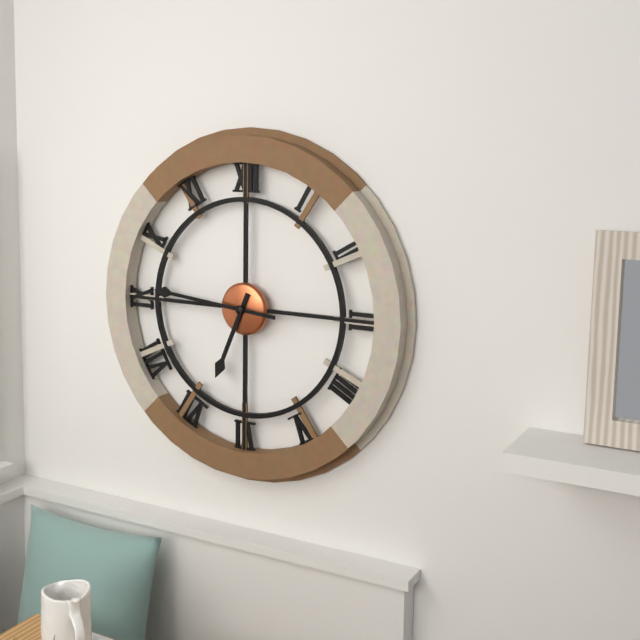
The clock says **6:46**
